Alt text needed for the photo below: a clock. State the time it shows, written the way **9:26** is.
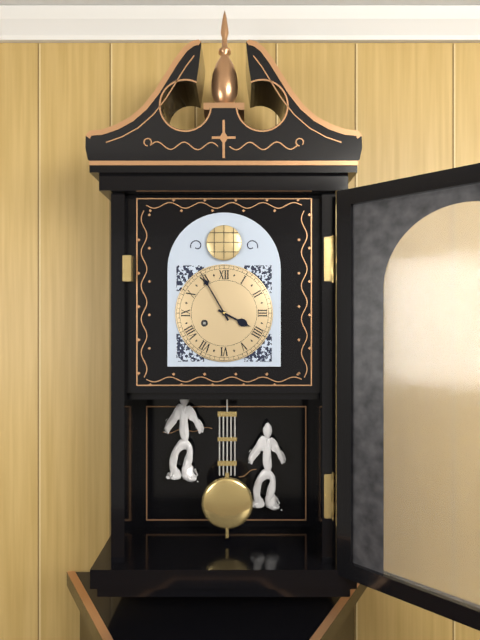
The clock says **3:55**
